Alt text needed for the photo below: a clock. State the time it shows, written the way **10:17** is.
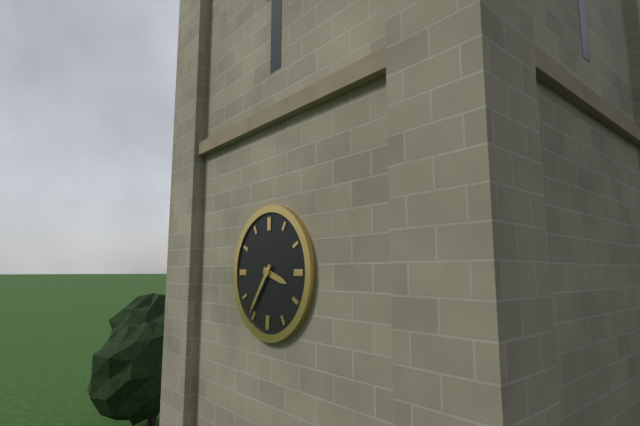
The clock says **3:36**
